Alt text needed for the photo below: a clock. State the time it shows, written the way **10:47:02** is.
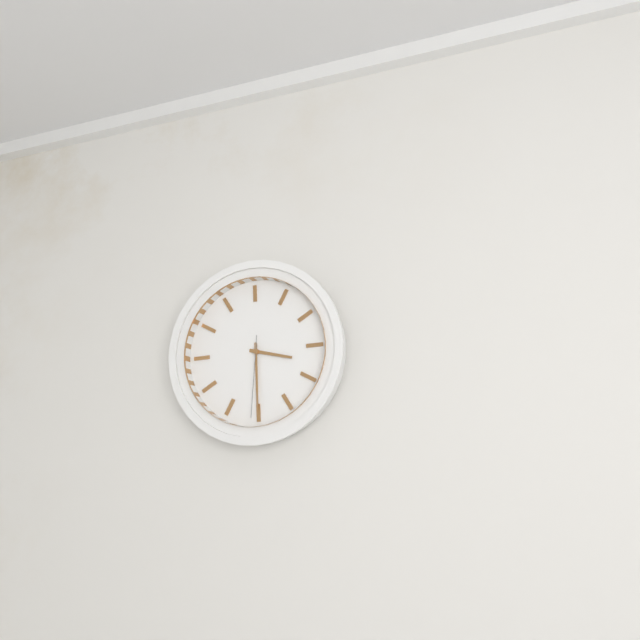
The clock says **3:30:31**
